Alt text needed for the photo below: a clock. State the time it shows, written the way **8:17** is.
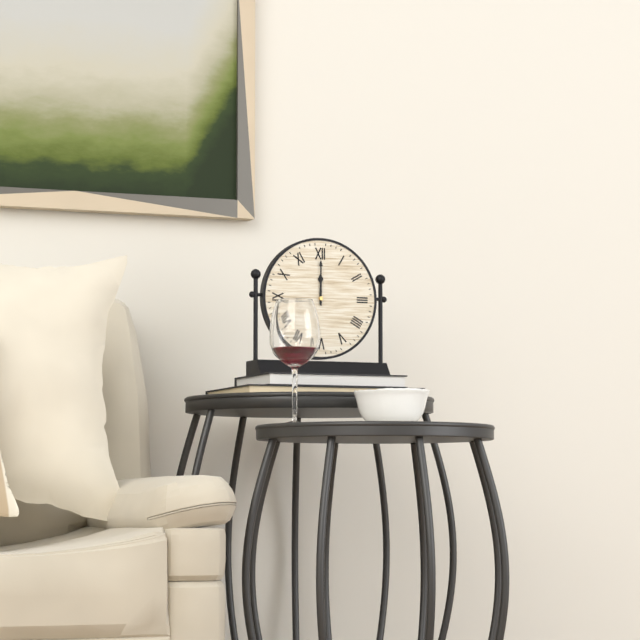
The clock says **12:00**
